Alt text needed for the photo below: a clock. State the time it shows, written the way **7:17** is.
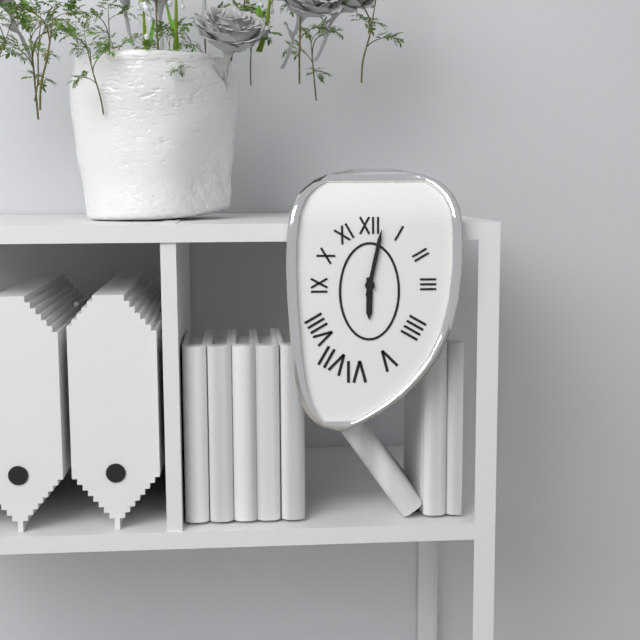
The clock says **6:02**
